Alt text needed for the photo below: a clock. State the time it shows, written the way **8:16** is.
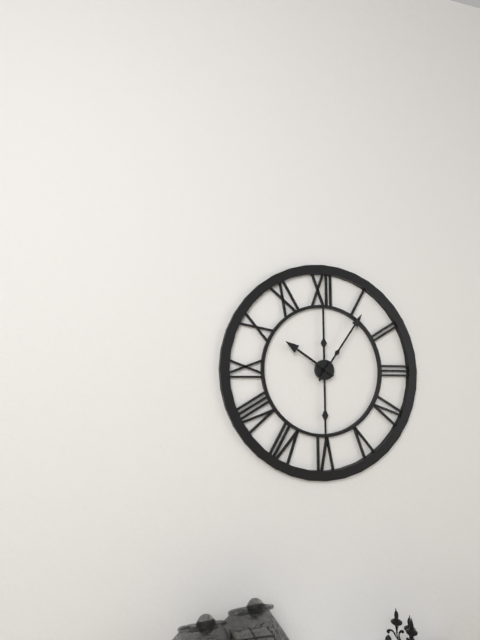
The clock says **10:06**
